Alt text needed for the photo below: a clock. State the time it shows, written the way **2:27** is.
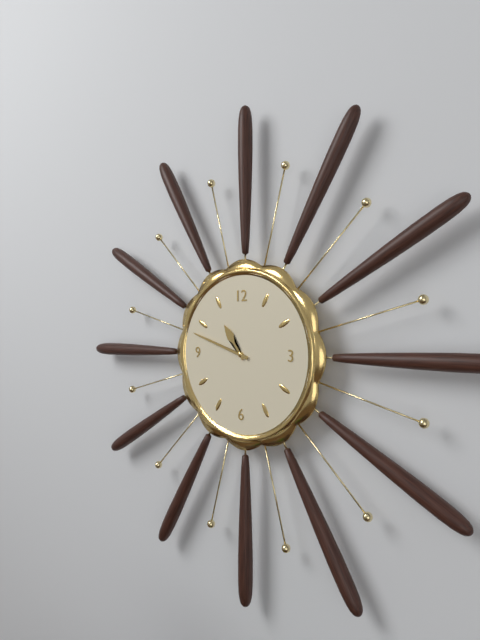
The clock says **10:48**
